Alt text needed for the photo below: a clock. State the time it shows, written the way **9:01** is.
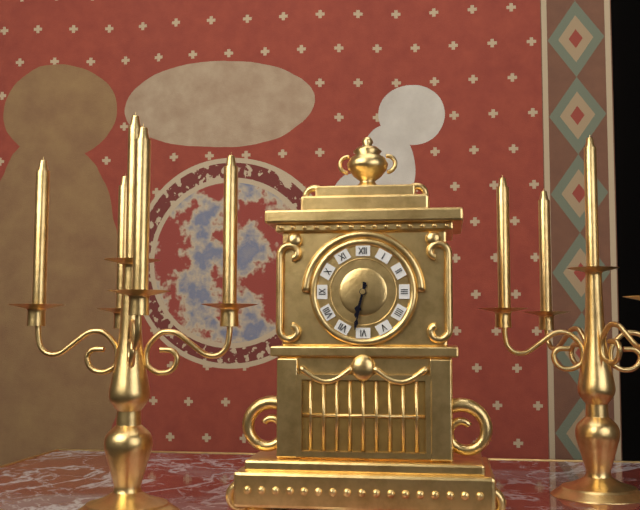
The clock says **6:32**
